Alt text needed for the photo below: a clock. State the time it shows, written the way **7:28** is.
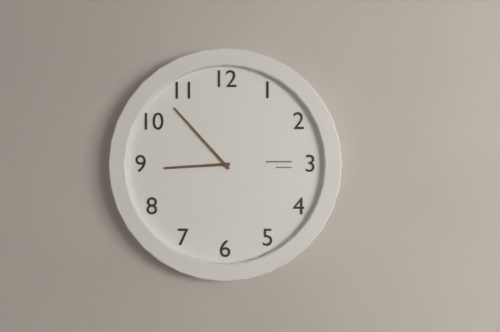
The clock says **8:53**
